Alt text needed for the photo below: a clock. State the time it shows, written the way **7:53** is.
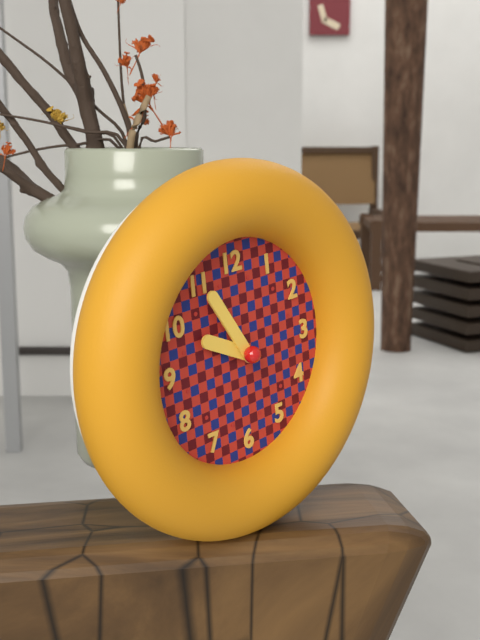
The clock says **9:55**
